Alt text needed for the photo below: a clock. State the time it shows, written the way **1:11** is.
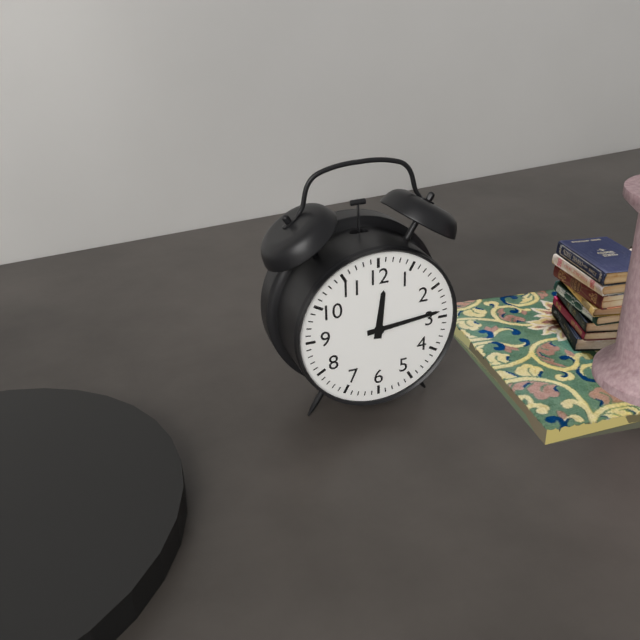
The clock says **12:14**
